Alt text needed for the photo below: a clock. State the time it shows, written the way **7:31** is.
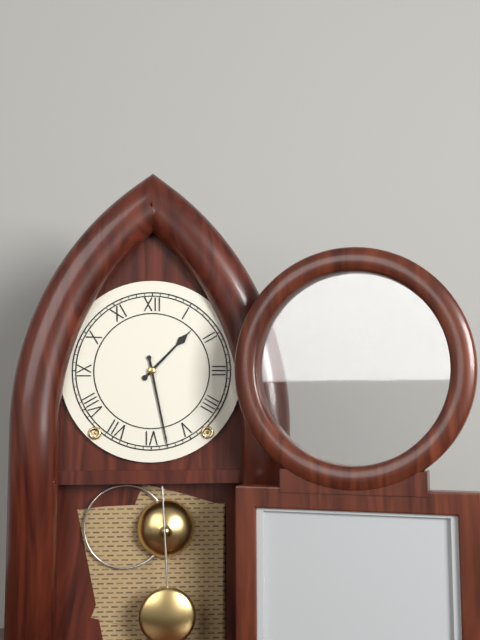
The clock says **1:28**
